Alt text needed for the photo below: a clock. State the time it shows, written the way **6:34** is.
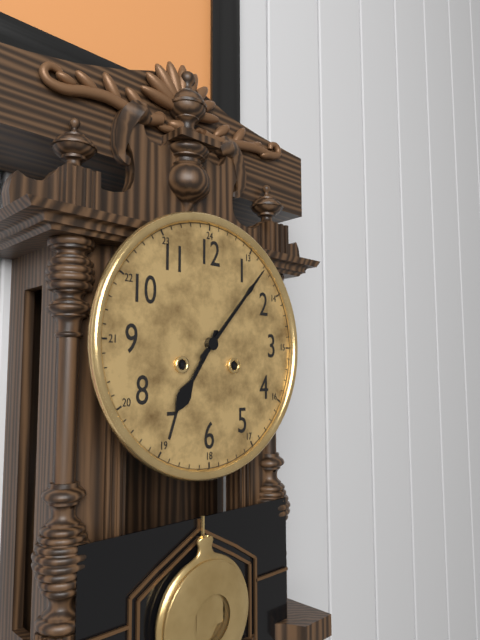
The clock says **7:07**
